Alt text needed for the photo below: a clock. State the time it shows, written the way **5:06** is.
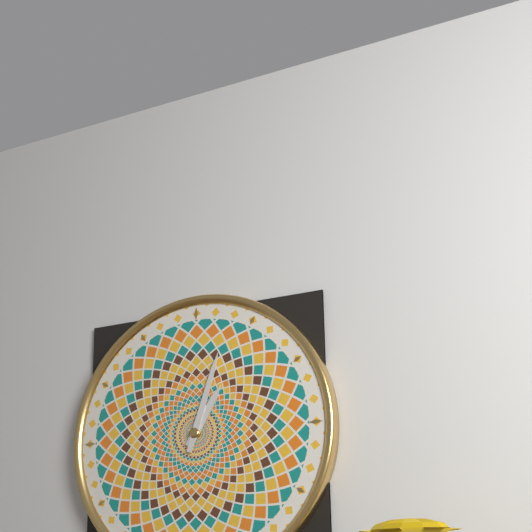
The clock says **1:03**
